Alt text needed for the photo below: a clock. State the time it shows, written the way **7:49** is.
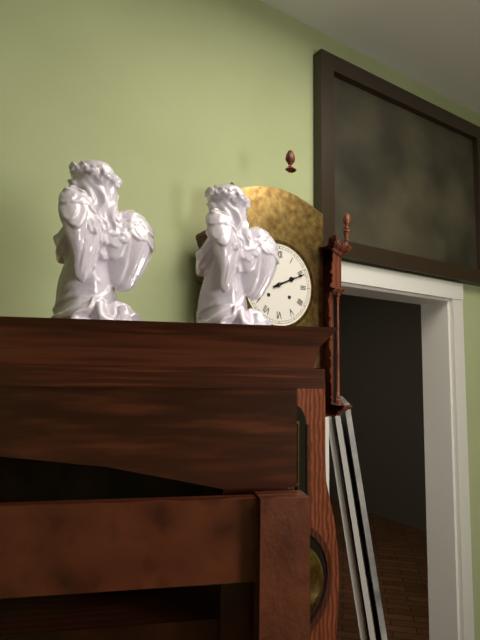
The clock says **2:11**
